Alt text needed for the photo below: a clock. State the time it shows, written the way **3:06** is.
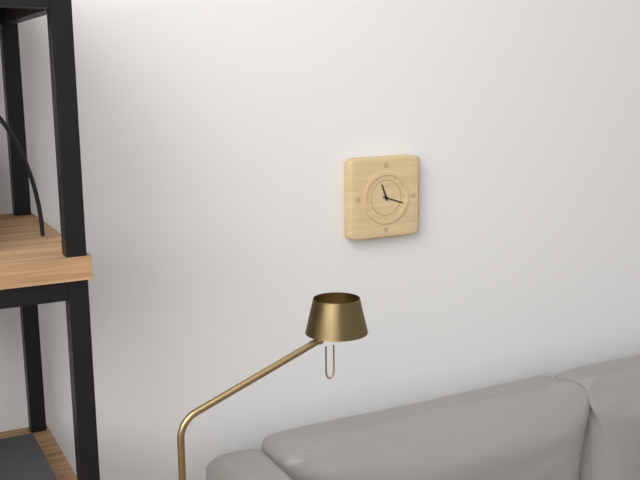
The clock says **11:18**
